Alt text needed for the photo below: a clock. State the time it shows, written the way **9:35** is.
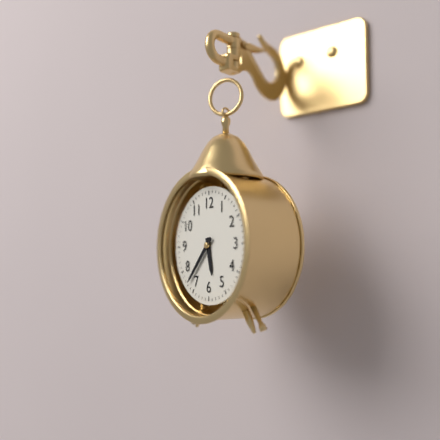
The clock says **5:37**
